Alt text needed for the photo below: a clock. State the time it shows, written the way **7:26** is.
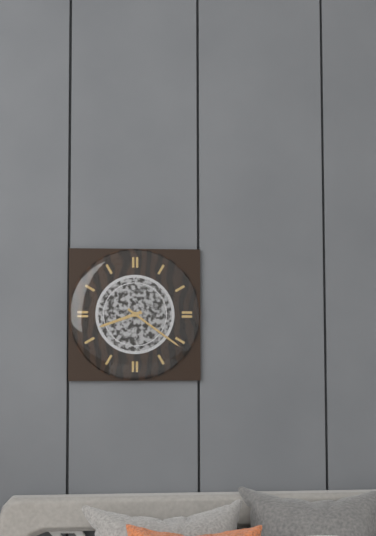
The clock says **8:21**
